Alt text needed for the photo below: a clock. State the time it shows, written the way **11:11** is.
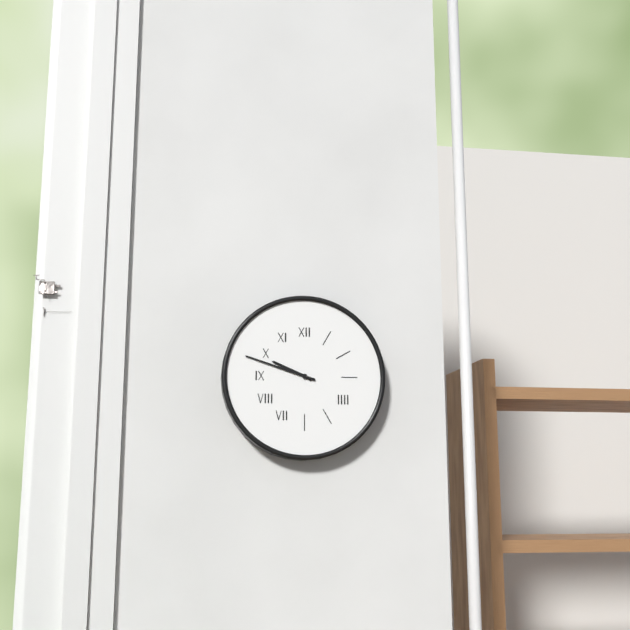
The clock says **9:48**
